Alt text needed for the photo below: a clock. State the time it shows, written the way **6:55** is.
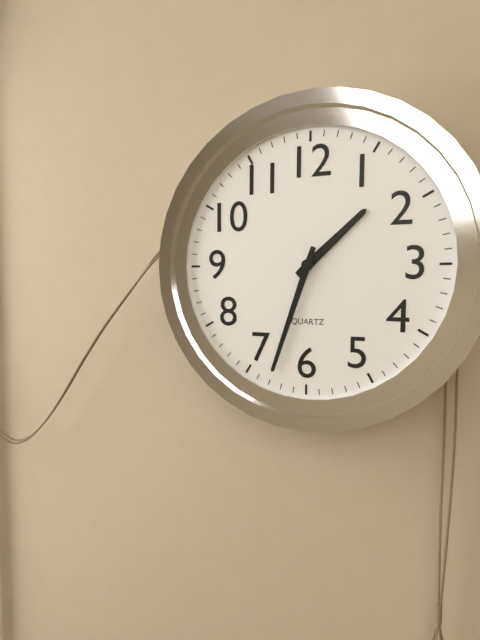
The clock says **1:33**
